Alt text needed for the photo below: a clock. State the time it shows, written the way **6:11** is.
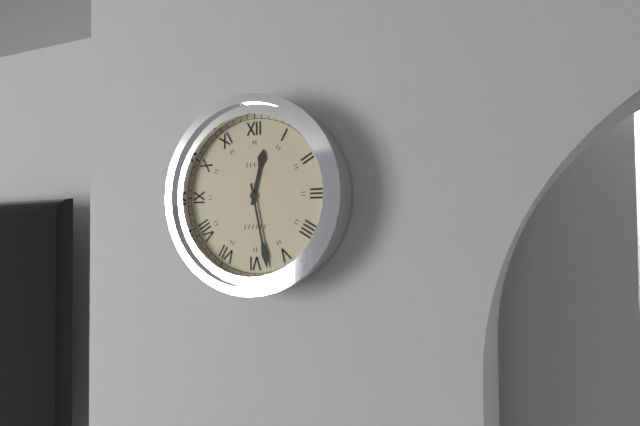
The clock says **12:28**
